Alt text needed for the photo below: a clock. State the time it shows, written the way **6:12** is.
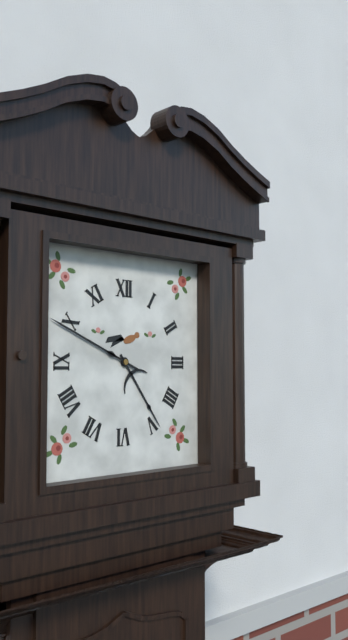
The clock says **4:49**
